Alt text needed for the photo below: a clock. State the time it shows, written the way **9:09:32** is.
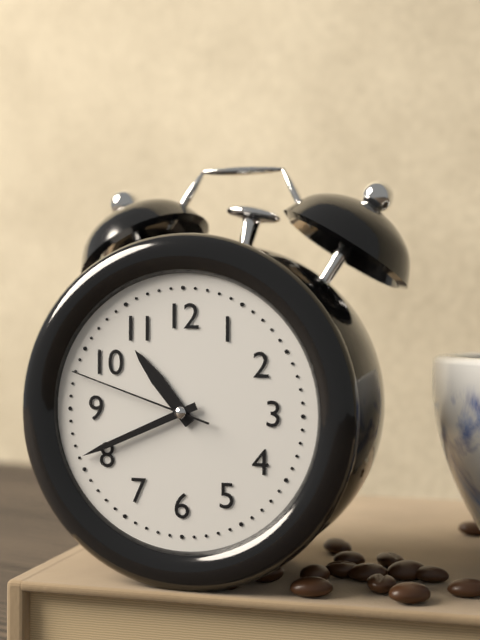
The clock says **10:41:48**
